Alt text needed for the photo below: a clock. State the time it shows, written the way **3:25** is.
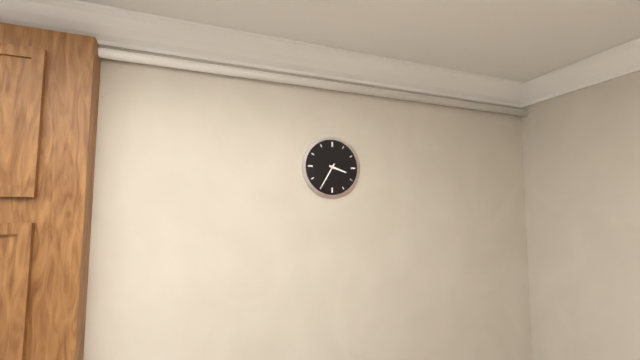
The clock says **3:35**
